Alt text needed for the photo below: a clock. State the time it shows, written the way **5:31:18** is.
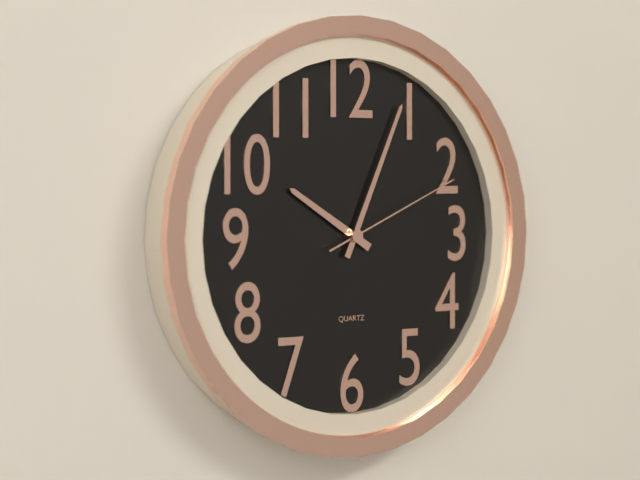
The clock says **10:04:11**
